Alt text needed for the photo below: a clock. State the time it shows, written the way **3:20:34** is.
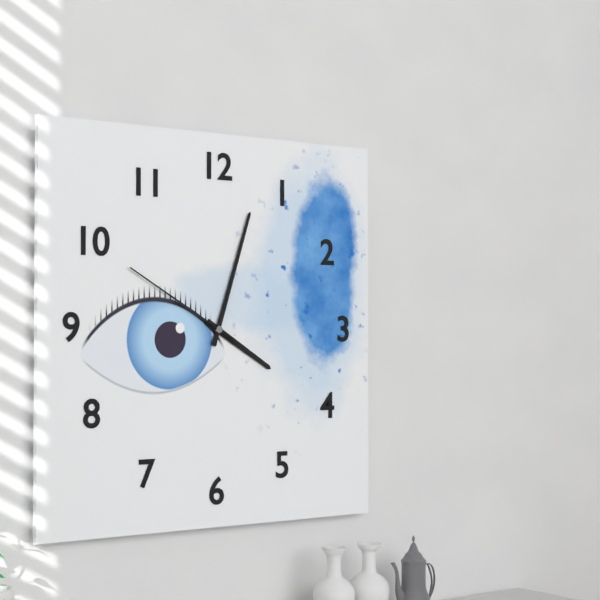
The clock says **4:03:50**
